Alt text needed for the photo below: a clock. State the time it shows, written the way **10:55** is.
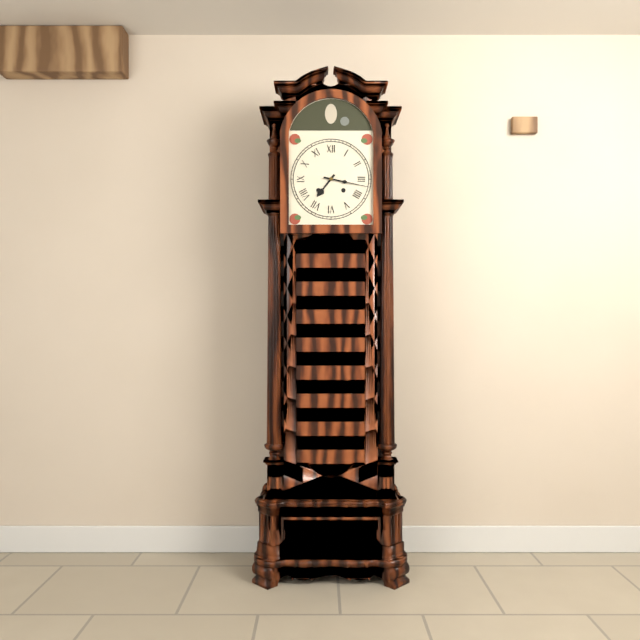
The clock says **7:17**
